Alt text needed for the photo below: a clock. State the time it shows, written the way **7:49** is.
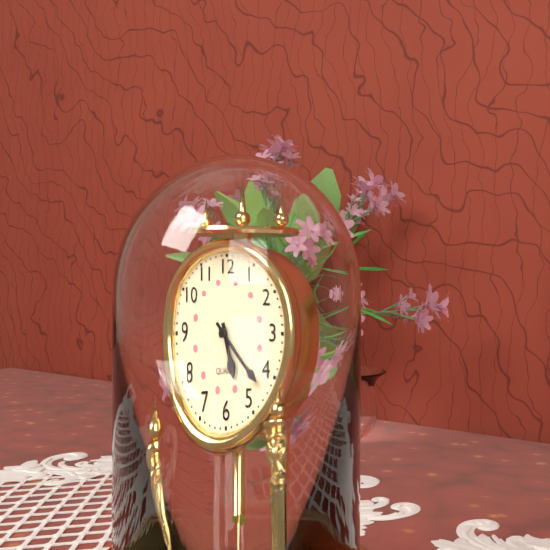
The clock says **5:22**
